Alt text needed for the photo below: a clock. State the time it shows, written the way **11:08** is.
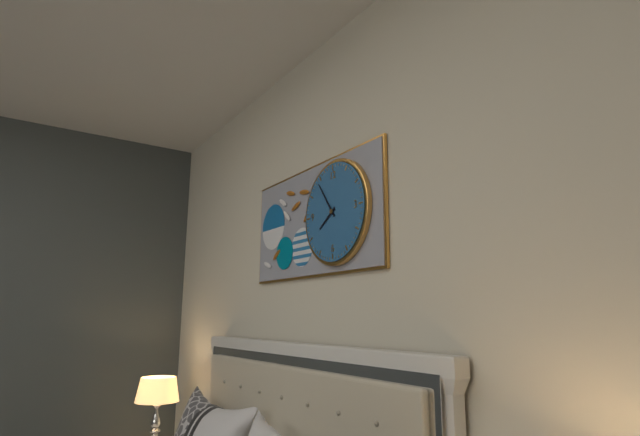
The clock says **7:54**
